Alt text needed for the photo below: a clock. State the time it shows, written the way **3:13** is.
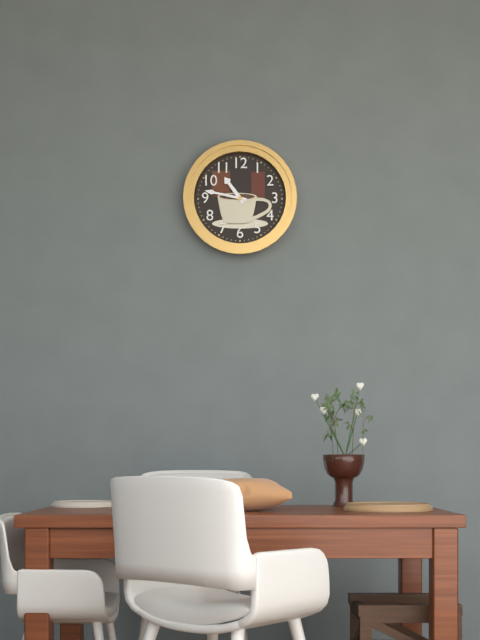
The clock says **10:47**
